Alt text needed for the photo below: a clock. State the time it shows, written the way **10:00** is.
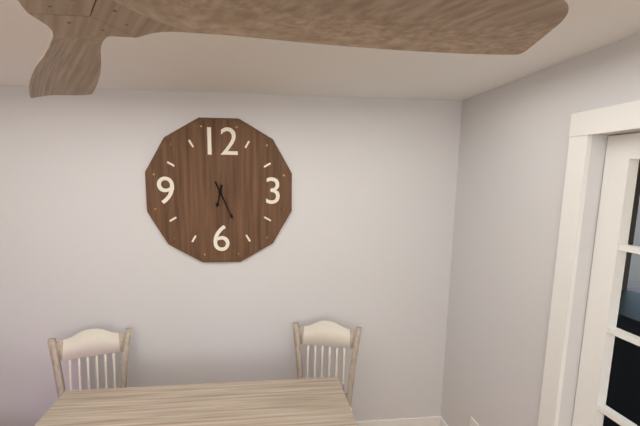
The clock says **6:26**
